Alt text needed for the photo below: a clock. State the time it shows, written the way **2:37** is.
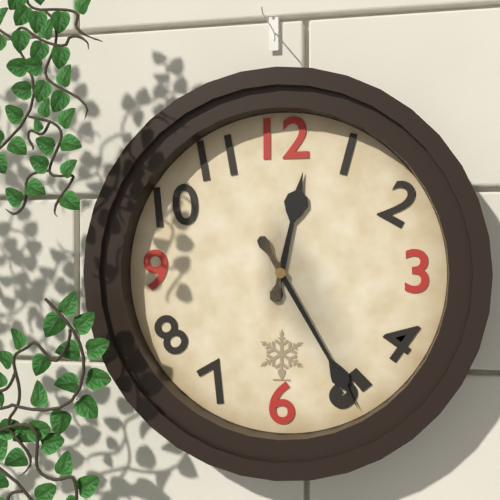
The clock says **12:25**
